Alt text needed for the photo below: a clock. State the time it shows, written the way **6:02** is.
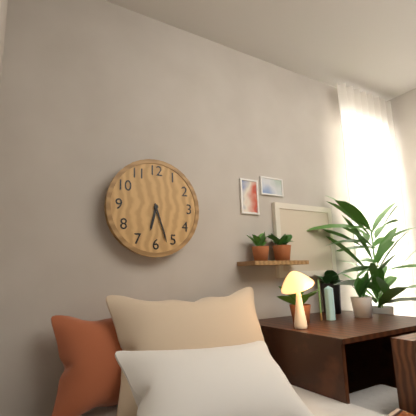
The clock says **6:27**
